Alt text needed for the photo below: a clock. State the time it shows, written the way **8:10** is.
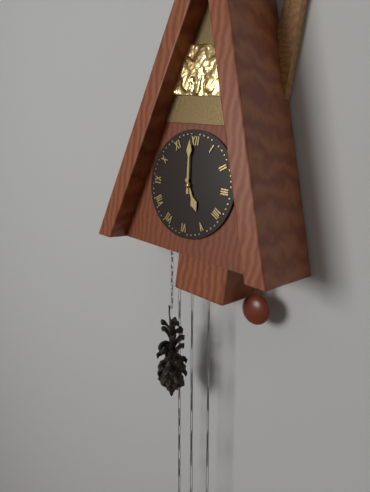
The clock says **4:59**
